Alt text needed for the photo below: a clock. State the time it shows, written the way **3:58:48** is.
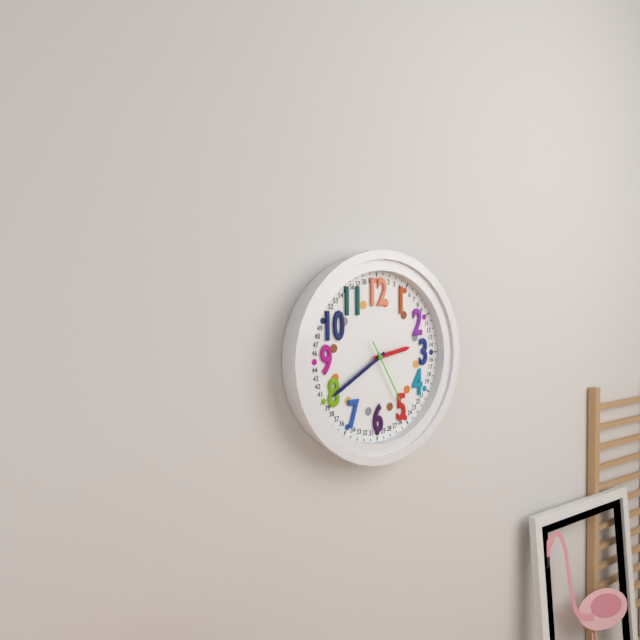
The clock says **2:40:25**
